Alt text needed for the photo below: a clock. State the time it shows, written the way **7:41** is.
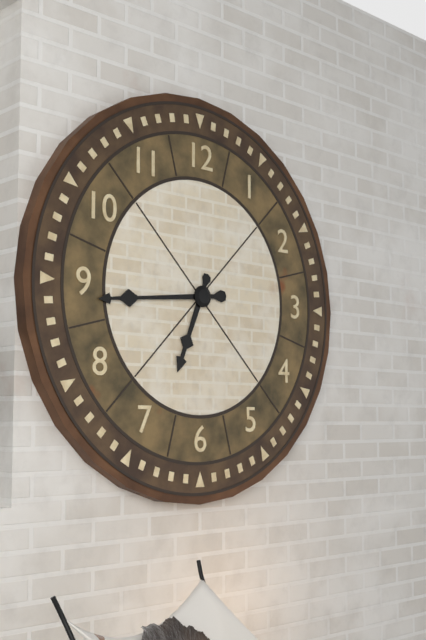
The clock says **6:44**
